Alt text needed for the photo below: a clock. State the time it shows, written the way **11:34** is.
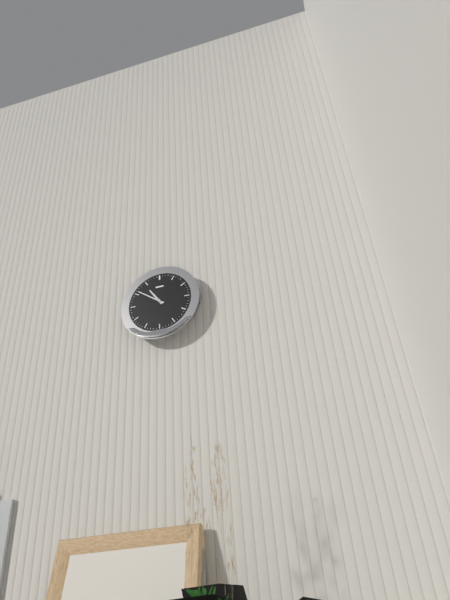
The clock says **10:51**
